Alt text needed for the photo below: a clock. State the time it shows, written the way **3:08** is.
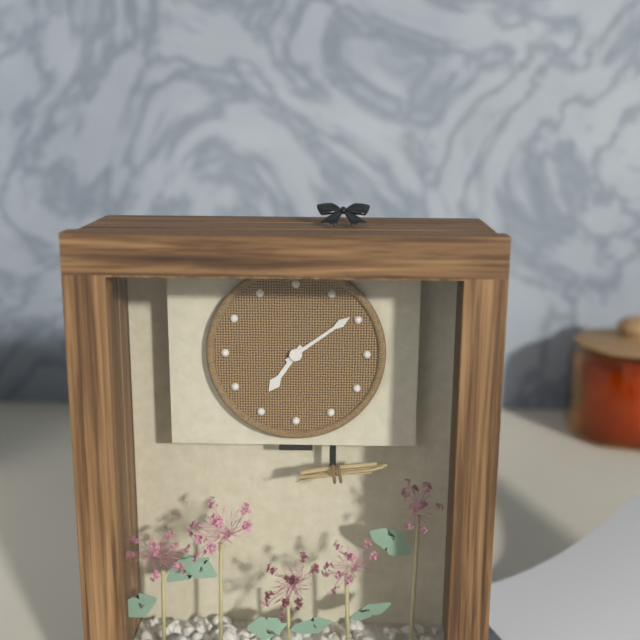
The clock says **7:09**
